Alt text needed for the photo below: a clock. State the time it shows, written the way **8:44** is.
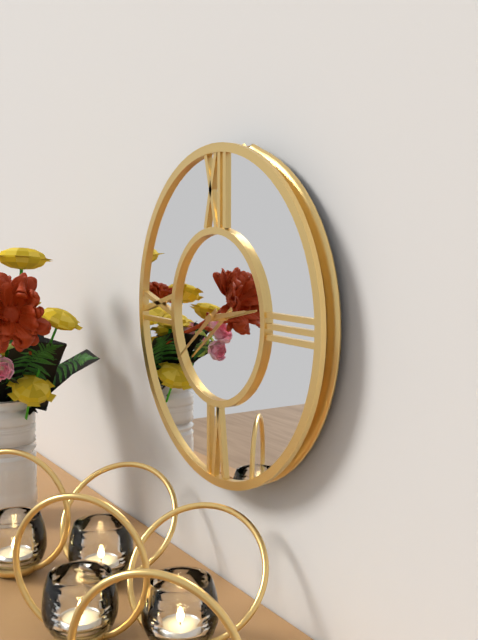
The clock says **2:39**
